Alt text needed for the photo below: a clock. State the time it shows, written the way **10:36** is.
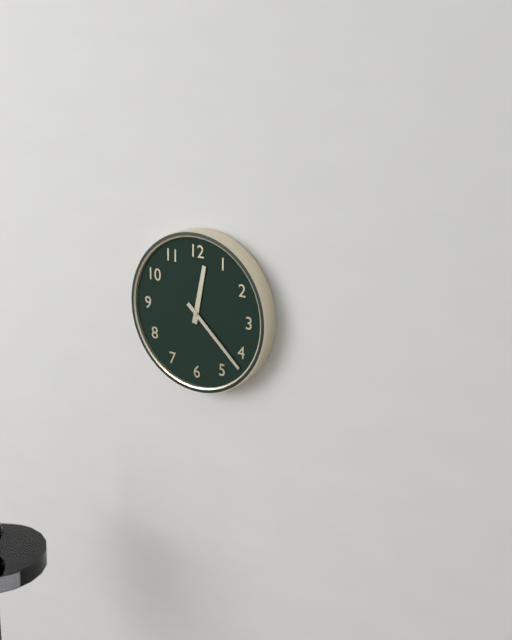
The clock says **12:22**
